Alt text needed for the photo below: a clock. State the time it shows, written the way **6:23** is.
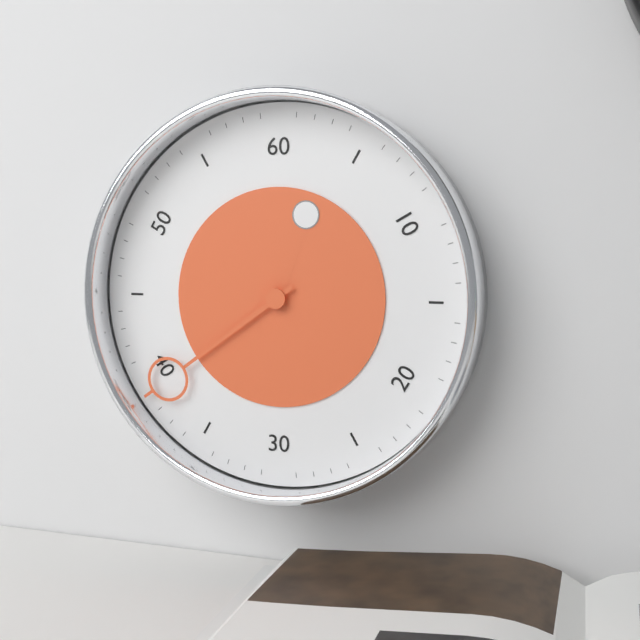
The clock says **12:39**
